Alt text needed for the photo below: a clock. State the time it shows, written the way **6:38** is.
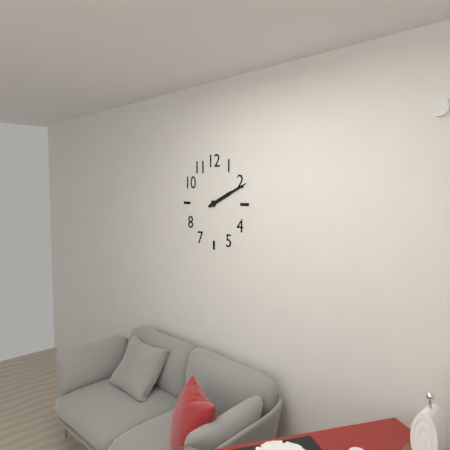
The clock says **2:11**
